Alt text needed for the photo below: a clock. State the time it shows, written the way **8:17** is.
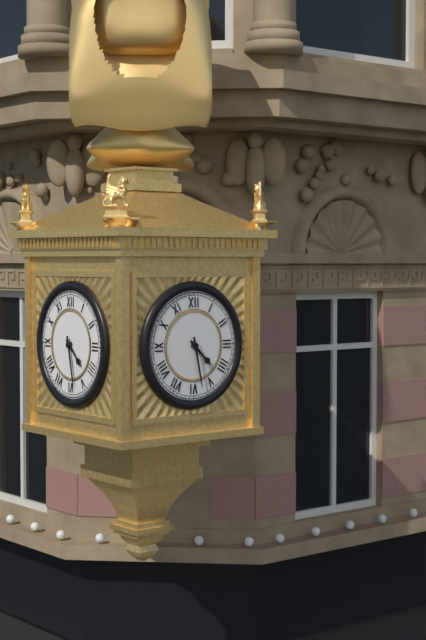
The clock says **4:28**
